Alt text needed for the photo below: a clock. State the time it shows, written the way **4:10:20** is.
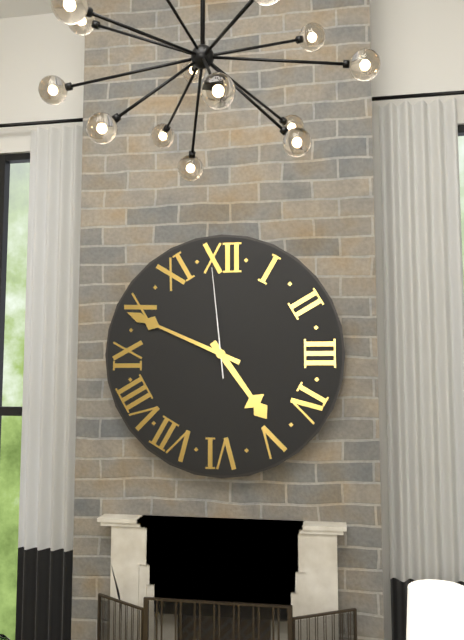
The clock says **4:49:59**
